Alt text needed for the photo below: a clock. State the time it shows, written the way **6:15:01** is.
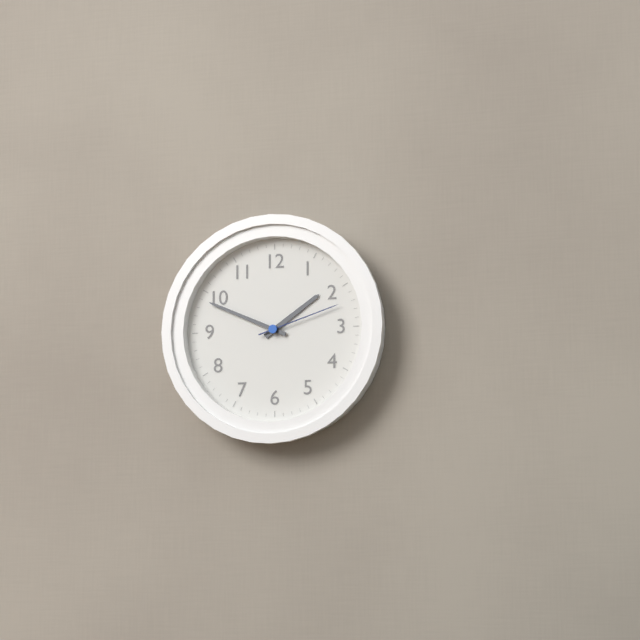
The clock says **1:49:12**
